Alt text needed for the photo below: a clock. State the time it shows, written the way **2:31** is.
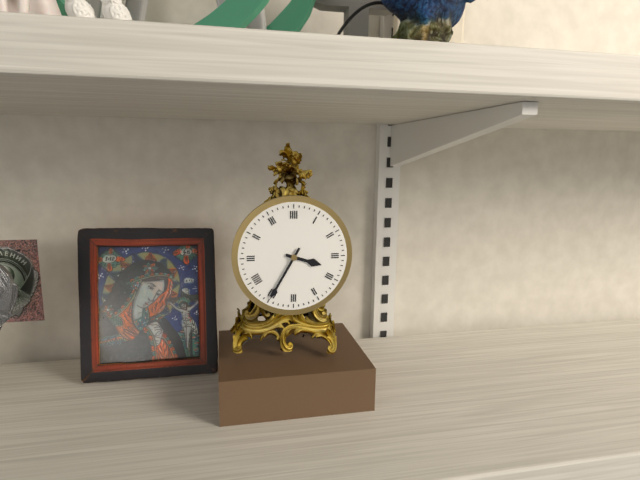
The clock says **3:35**
